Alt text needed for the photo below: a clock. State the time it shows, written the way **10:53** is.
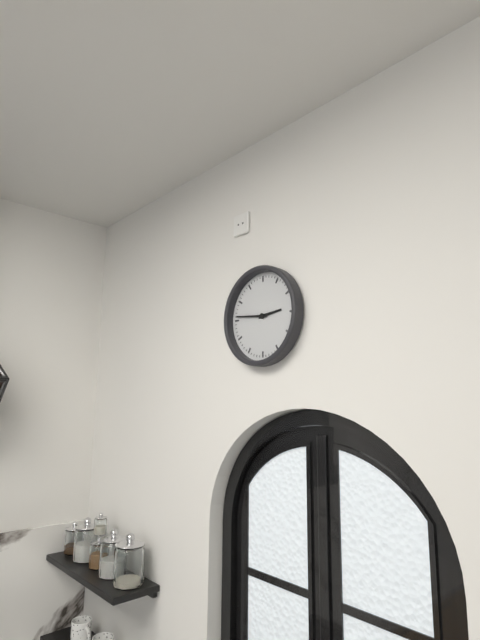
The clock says **2:46**
